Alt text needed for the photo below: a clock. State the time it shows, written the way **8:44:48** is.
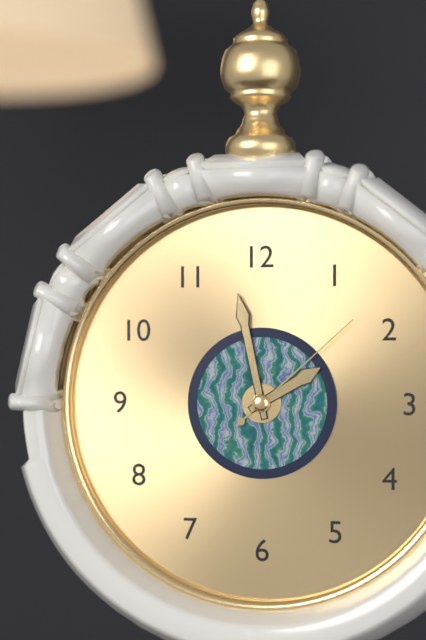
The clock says **1:58:08**
